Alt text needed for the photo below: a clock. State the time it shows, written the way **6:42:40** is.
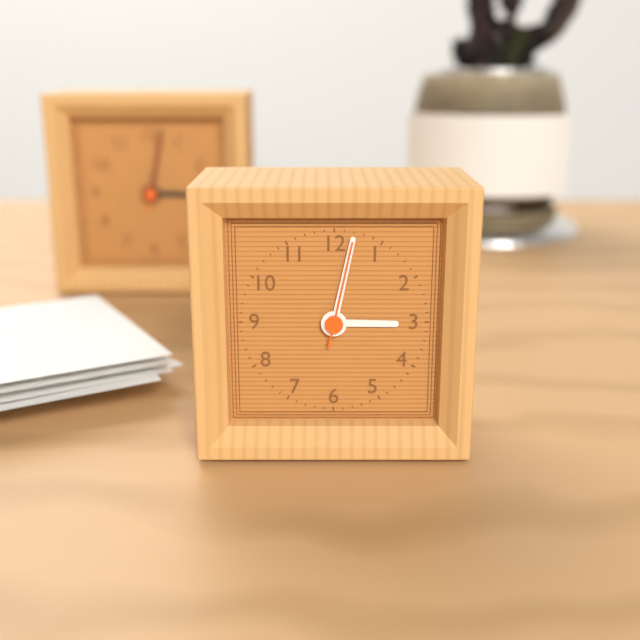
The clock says **3:02:02**
